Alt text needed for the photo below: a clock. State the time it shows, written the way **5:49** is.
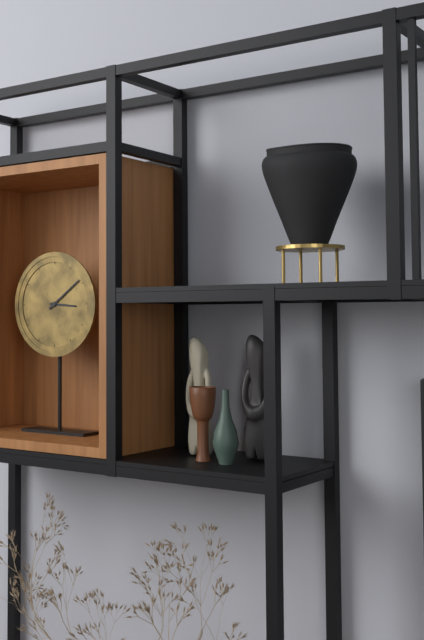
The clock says **3:09**
